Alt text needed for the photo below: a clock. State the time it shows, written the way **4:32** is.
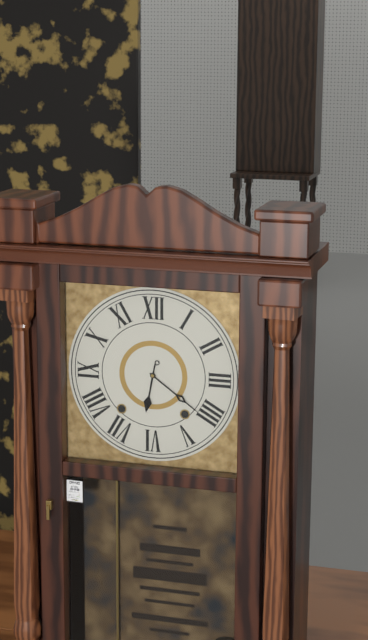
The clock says **6:21**
